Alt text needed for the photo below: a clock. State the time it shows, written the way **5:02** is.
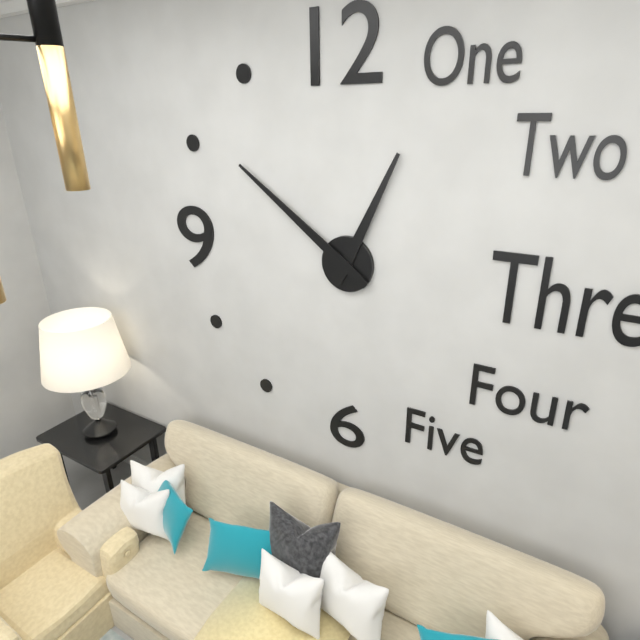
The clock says **12:51**
